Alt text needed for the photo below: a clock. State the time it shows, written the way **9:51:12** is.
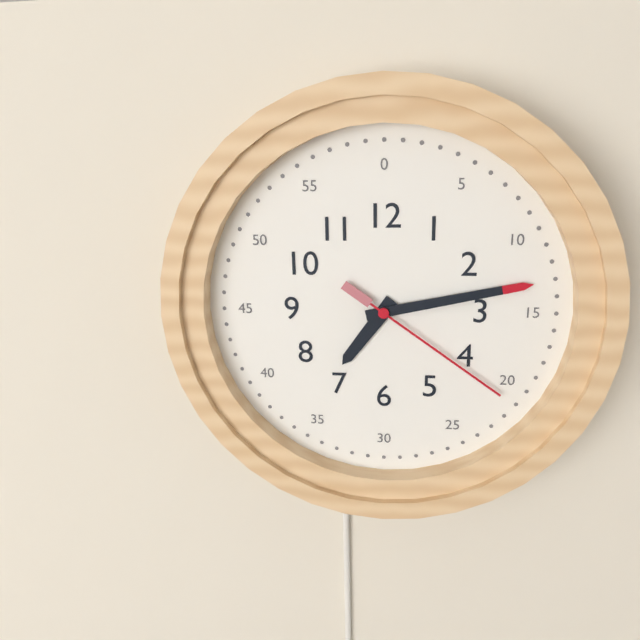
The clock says **7:13:21**
